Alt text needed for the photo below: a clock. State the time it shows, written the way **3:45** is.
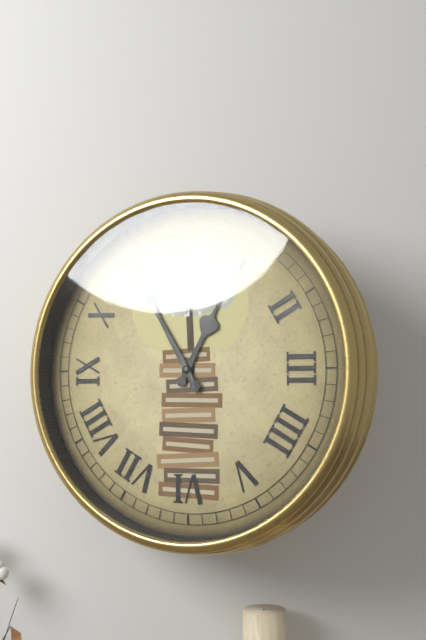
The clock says **12:55**
